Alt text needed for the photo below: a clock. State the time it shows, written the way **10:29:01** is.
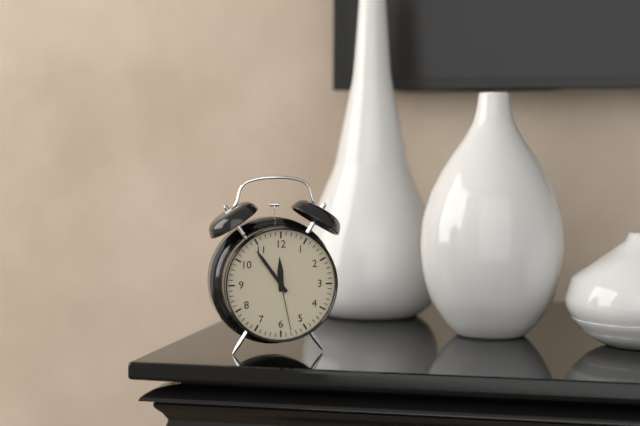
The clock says **11:54:28**
